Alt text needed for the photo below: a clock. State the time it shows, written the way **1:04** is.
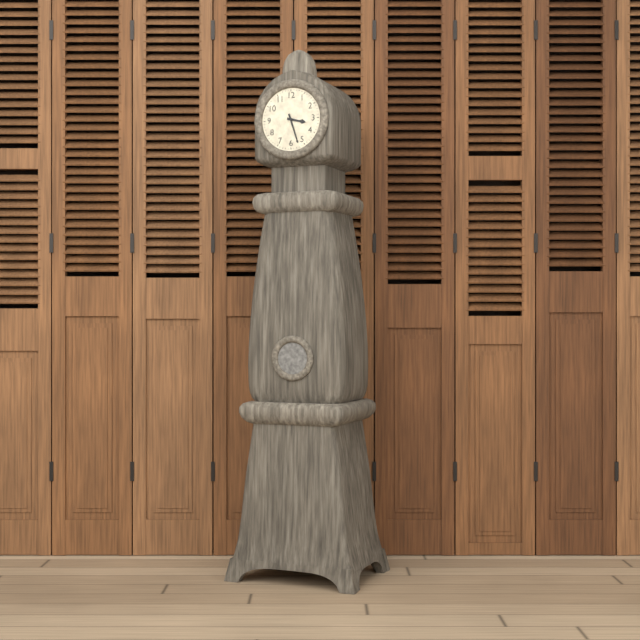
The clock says **3:27**
